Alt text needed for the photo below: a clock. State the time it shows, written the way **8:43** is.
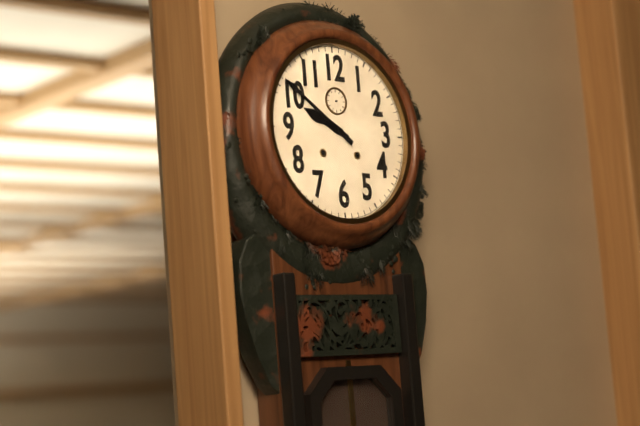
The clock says **9:51**
